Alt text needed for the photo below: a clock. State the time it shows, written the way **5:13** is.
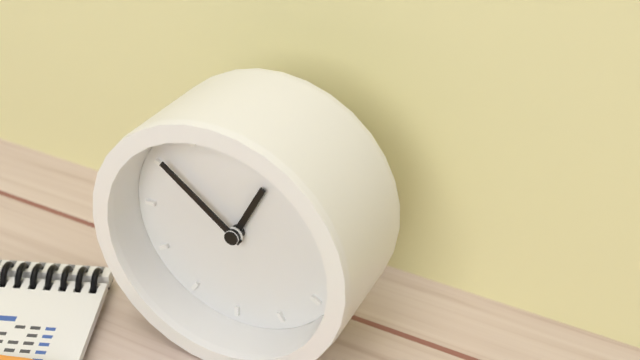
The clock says **12:51**
